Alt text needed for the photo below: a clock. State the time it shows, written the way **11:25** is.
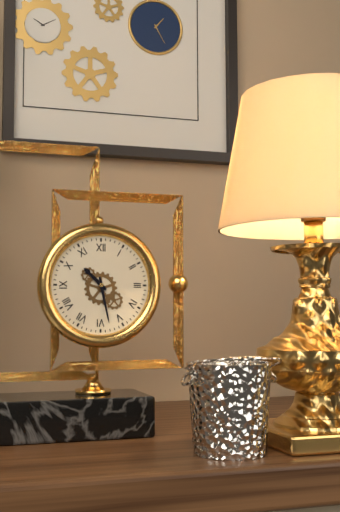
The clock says **10:28**
